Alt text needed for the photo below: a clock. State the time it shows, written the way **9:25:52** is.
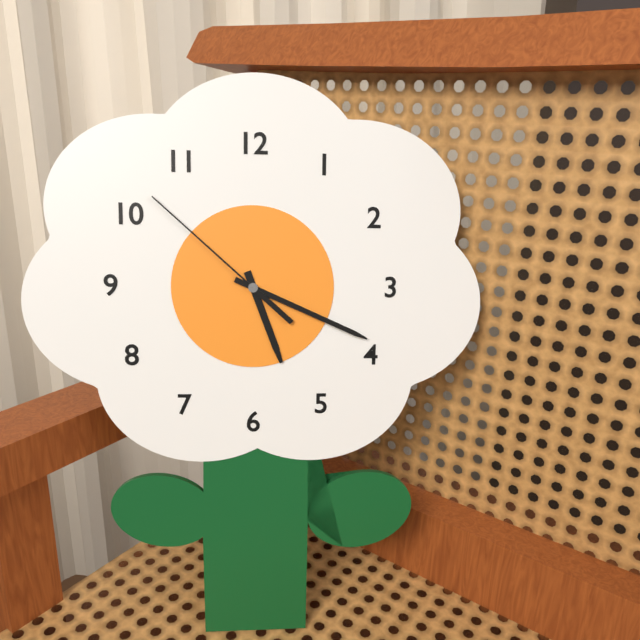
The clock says **5:19:52**
